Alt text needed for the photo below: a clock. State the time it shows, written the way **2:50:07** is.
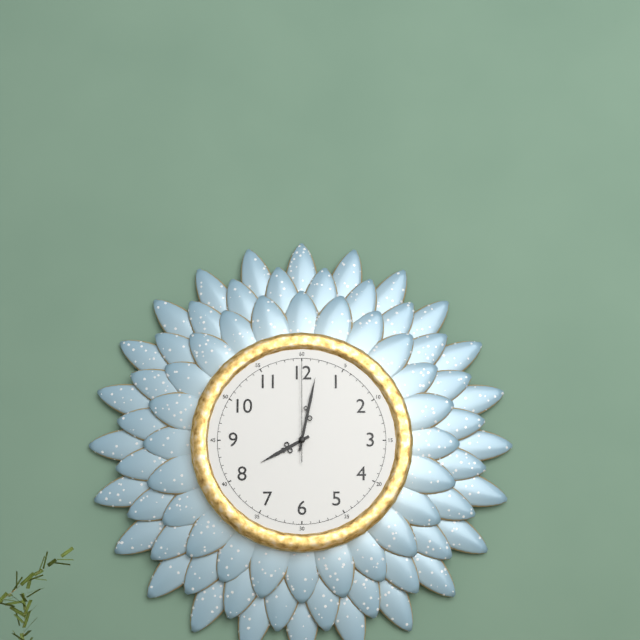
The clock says **8:02:00**
